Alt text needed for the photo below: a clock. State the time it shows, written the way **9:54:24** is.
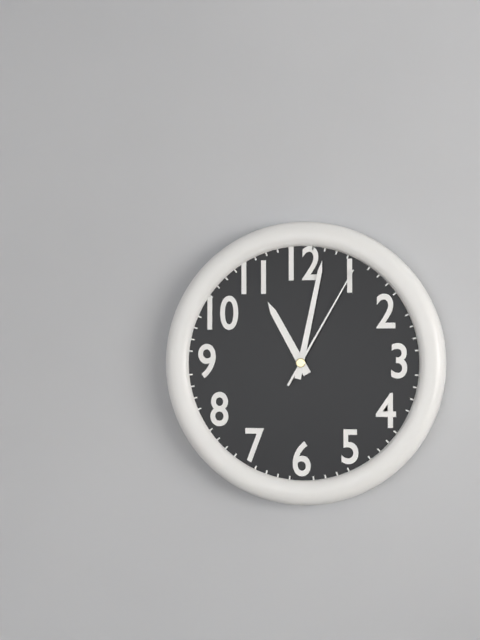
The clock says **11:02:05**
